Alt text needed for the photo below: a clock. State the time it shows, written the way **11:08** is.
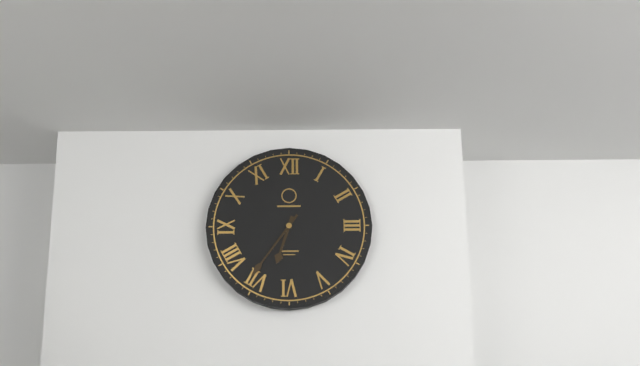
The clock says **6:36**
